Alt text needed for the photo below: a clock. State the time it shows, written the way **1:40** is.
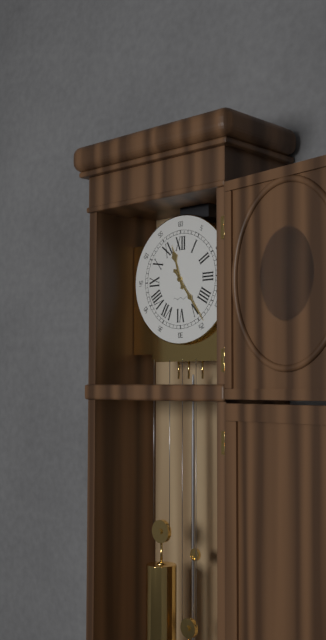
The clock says **11:24**
